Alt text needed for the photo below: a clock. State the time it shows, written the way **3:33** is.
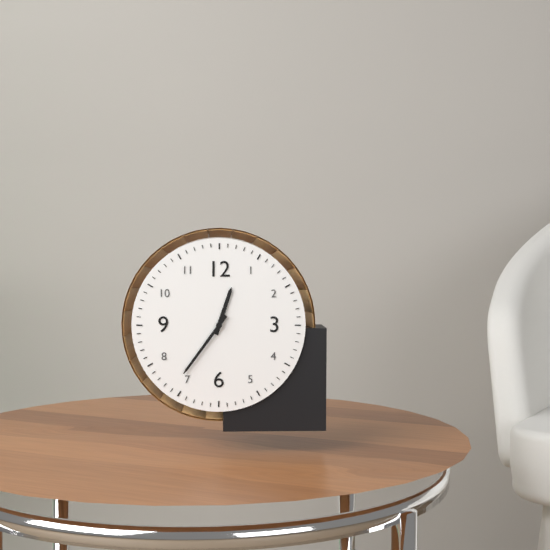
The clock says **12:36**
